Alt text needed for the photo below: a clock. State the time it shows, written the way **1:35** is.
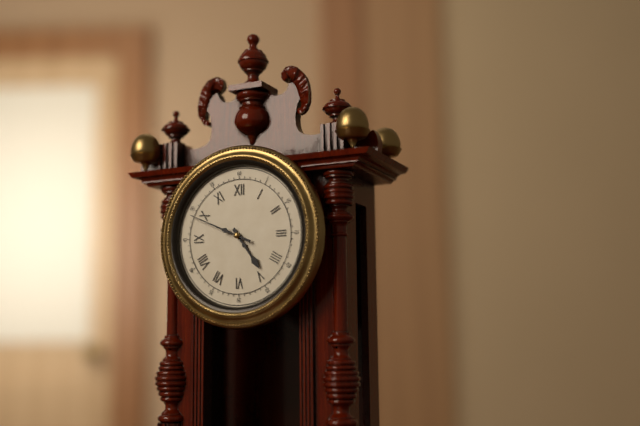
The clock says **4:49**
